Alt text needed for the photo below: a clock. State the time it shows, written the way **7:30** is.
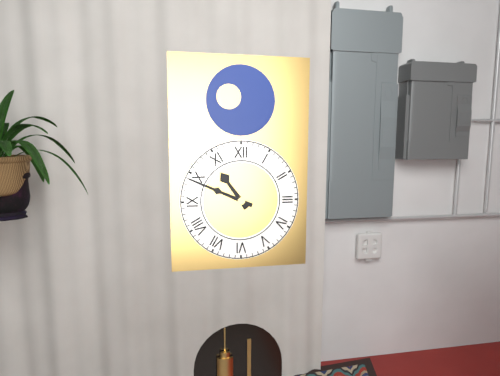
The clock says **10:49**
